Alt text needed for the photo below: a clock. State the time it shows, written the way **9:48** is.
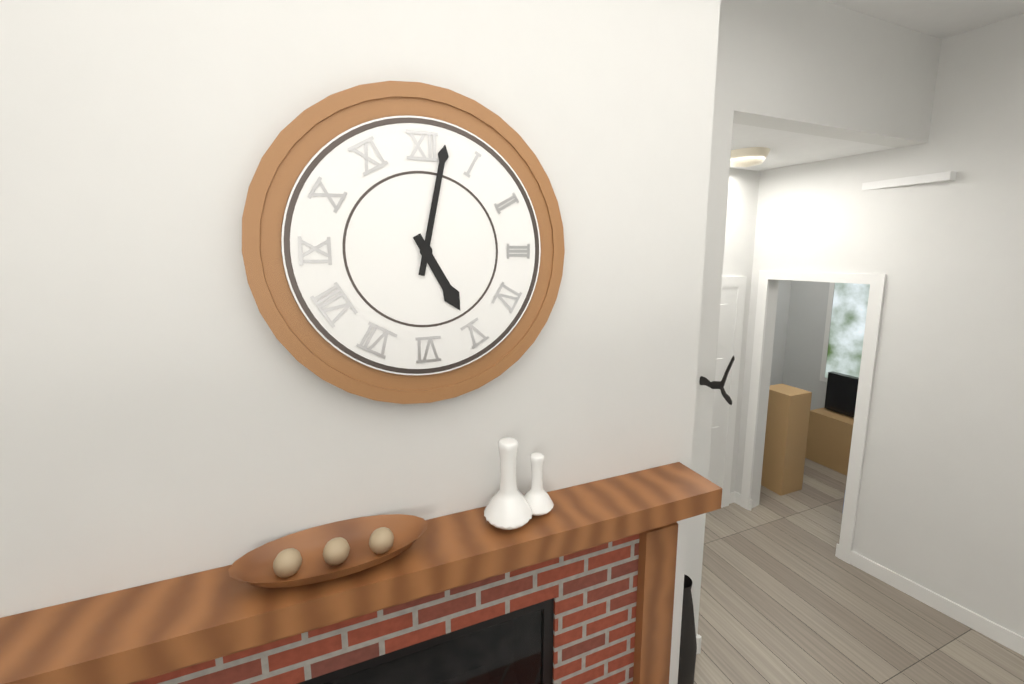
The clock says **5:02**
